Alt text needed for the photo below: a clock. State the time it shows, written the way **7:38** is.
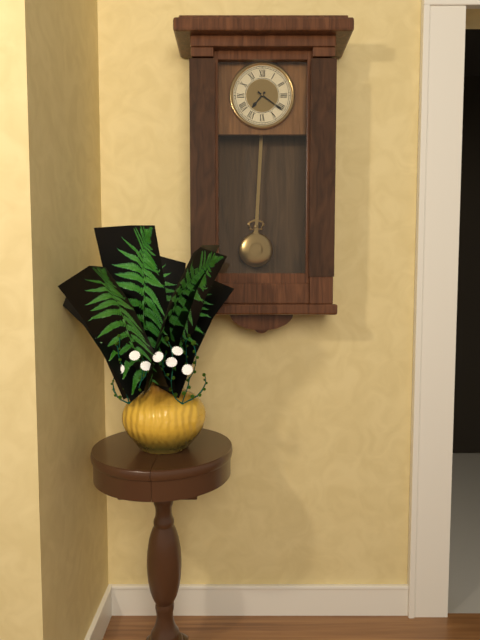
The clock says **7:21**
